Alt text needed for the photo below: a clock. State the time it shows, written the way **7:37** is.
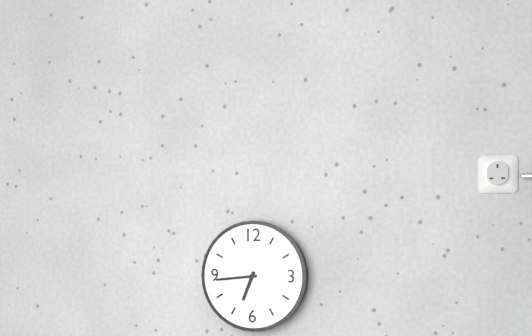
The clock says **6:44**
